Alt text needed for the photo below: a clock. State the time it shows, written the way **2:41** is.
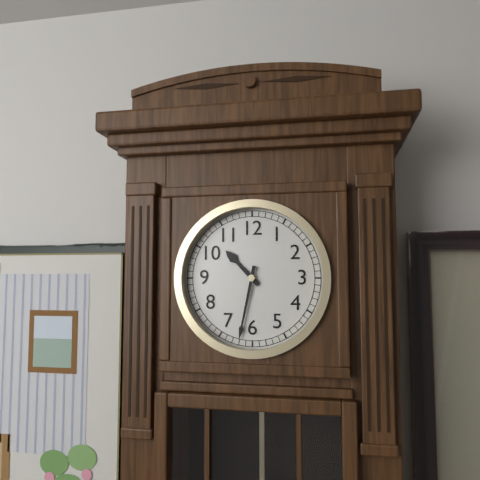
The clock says **10:32**
